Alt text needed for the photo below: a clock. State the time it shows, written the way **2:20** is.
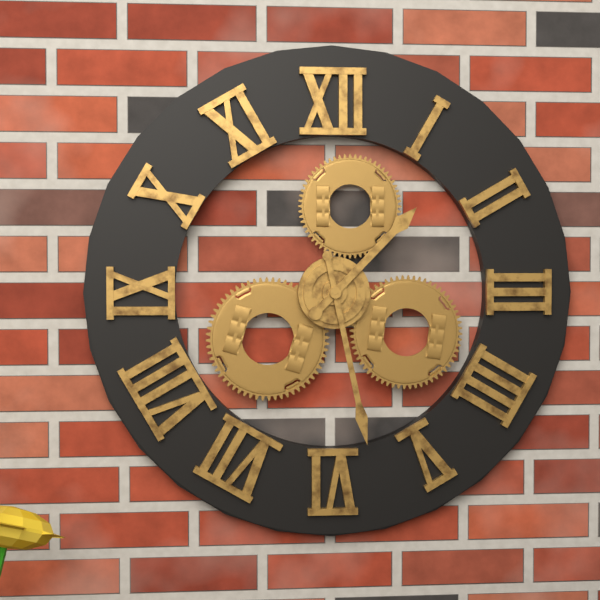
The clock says **1:28**
